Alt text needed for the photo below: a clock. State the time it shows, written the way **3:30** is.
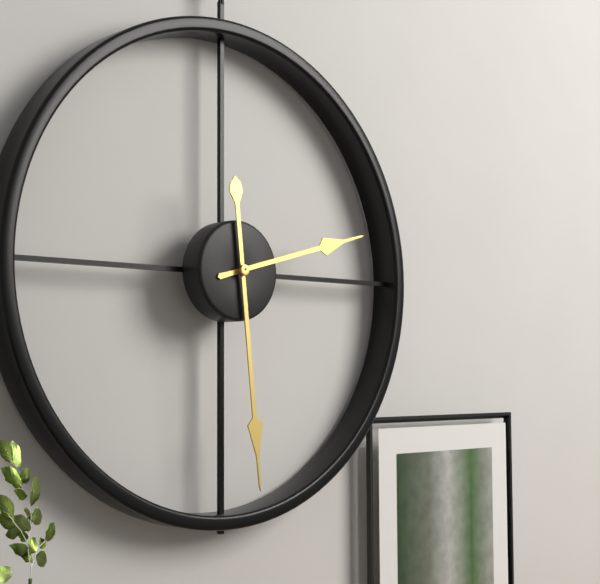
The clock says **2:29**
